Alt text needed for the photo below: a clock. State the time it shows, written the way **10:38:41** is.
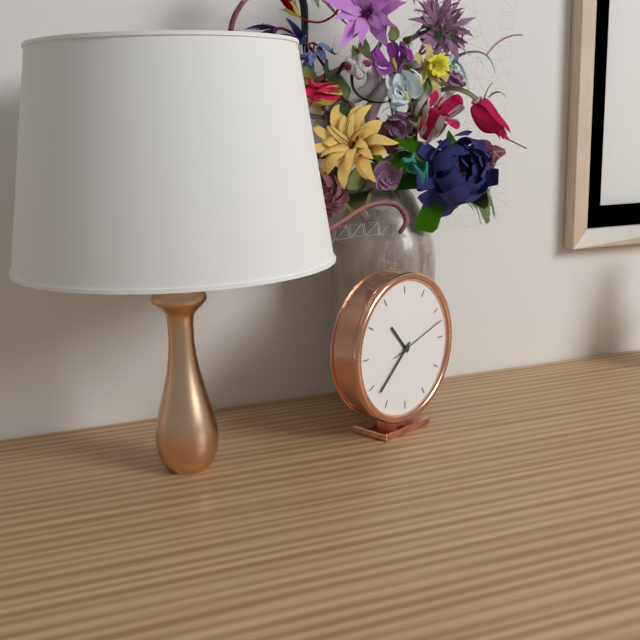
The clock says **10:38:12**
